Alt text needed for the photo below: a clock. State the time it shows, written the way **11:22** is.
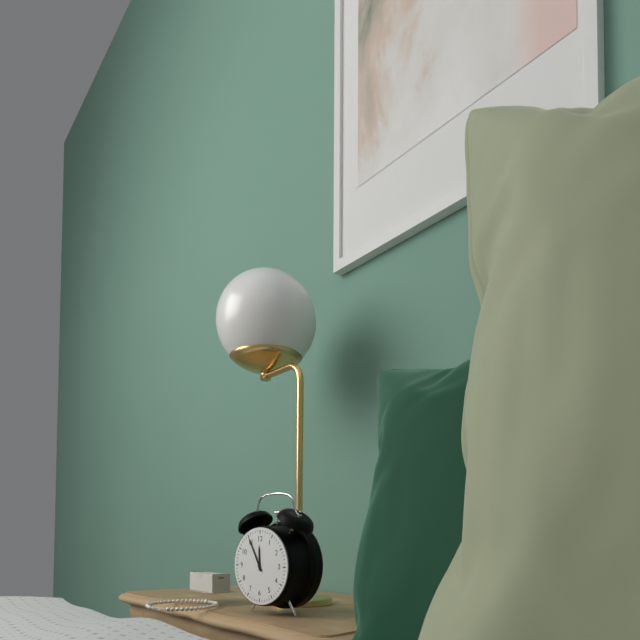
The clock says **11:55**
